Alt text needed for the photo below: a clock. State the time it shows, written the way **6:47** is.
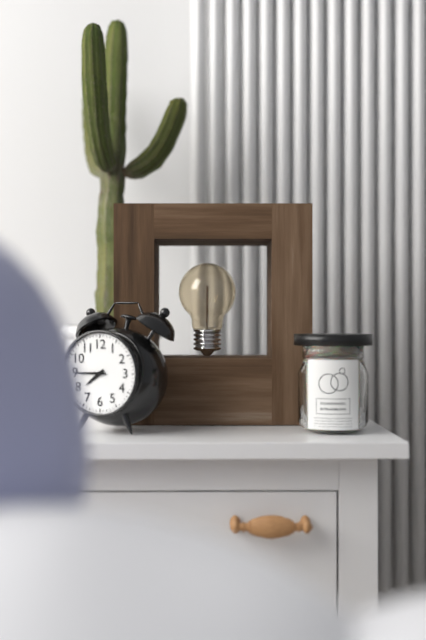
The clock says **7:45**
